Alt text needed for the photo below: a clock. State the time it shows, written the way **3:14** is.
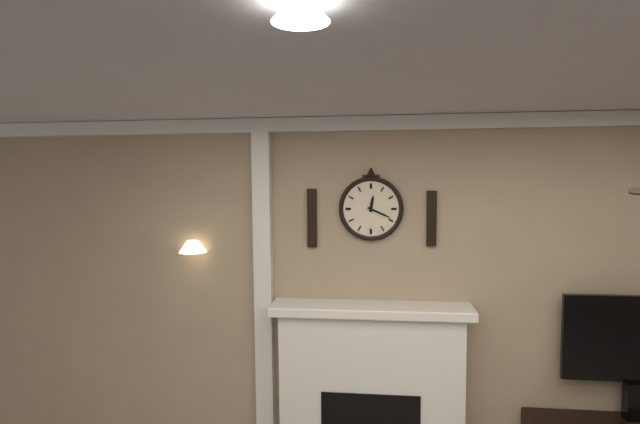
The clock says **12:19**
